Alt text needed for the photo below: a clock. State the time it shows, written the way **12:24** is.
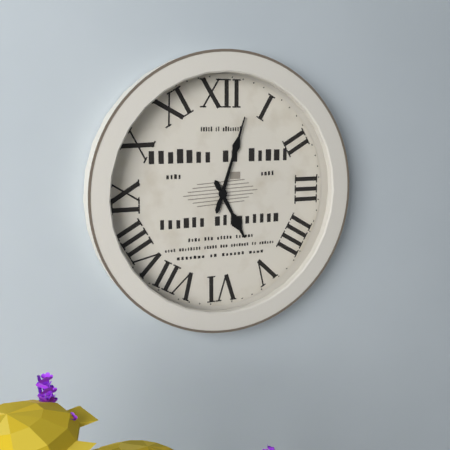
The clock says **5:03**
